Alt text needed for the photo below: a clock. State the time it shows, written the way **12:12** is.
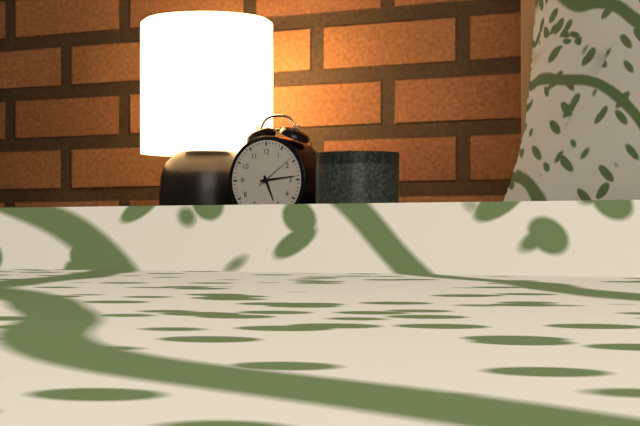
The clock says **5:14**
